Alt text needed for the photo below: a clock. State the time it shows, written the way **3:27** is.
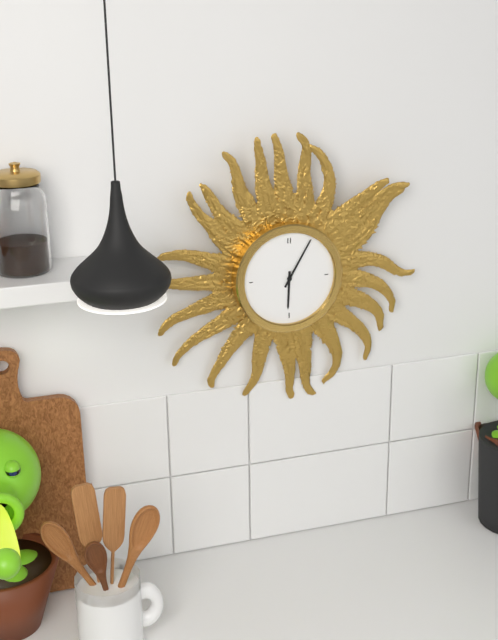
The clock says **6:05**
